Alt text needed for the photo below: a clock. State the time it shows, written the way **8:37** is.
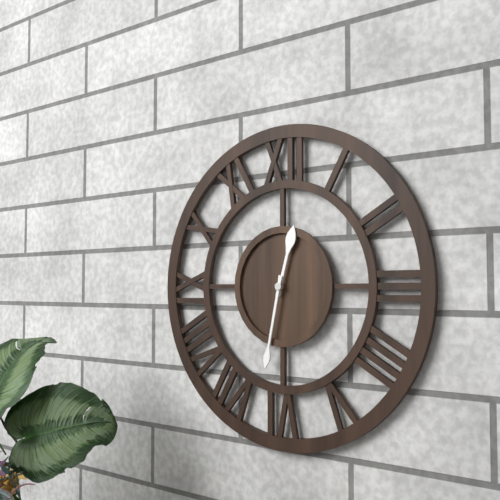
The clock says **12:32**
